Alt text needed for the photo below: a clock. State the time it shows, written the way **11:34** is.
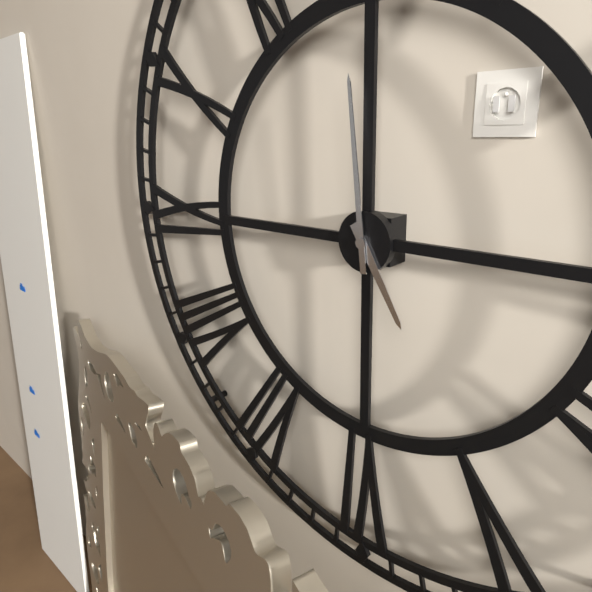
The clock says **4:59**
